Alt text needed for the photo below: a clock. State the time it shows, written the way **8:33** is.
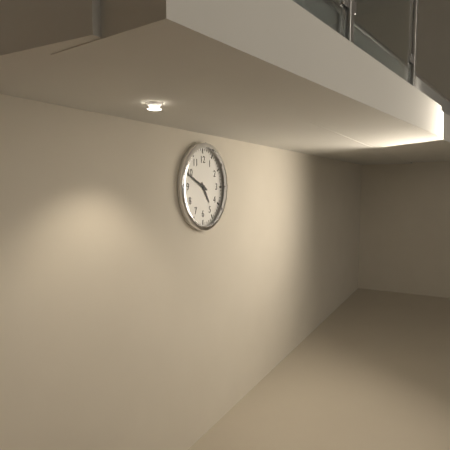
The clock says **4:49**
